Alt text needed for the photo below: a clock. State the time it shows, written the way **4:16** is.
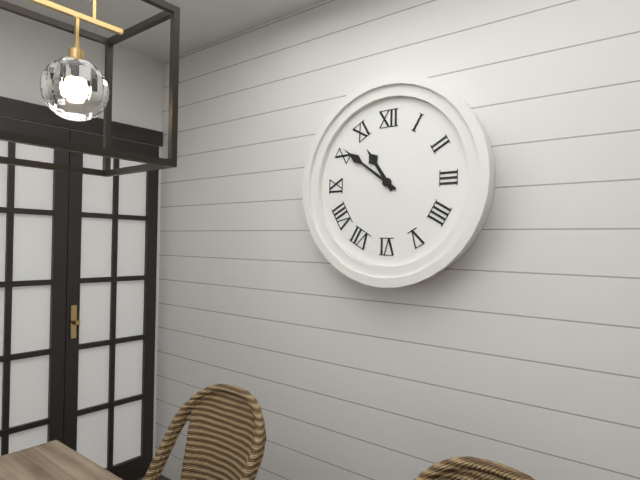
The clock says **10:51**
